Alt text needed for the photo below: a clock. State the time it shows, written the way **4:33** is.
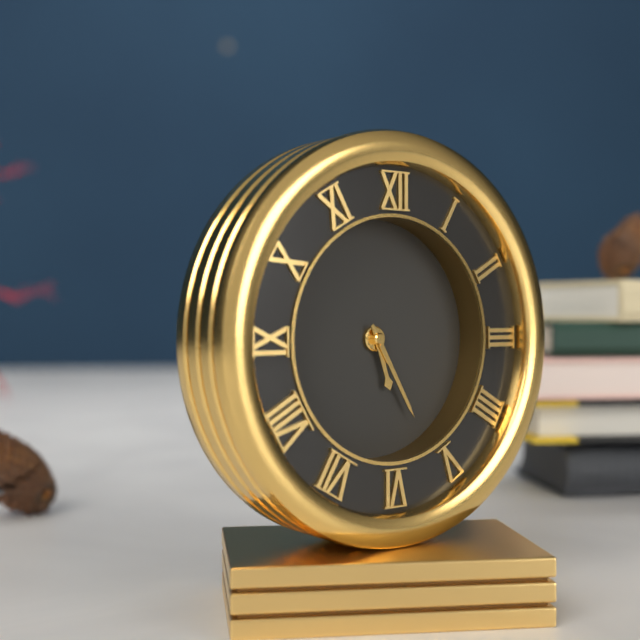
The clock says **5:25**
